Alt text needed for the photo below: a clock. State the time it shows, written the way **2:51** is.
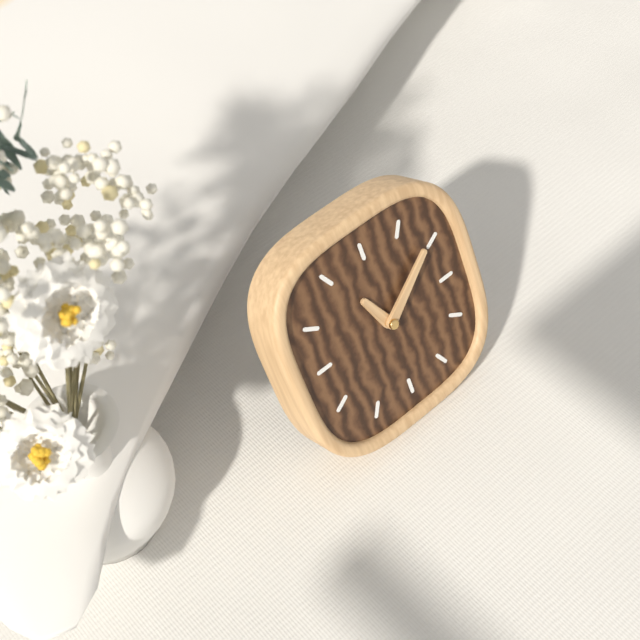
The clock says **11:09**
